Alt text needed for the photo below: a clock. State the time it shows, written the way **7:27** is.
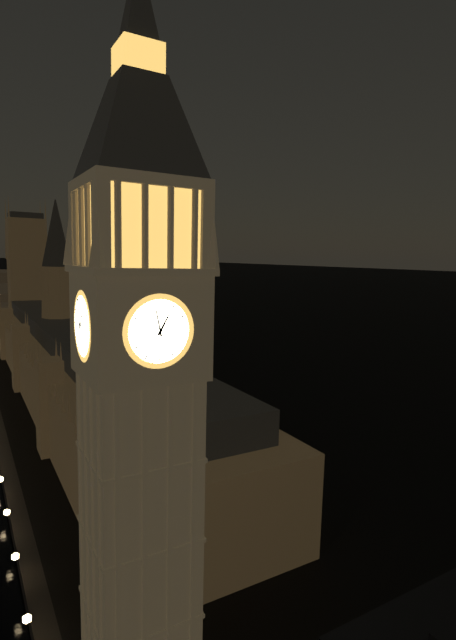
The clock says **12:58**
